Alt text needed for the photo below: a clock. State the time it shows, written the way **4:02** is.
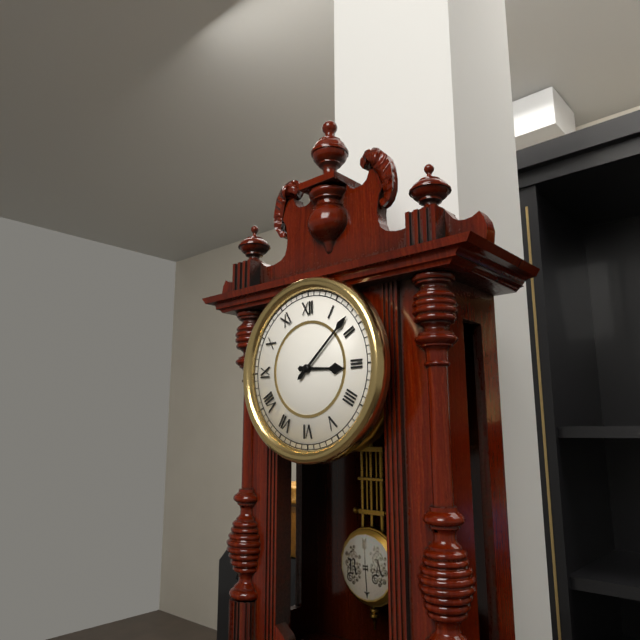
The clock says **3:08**
